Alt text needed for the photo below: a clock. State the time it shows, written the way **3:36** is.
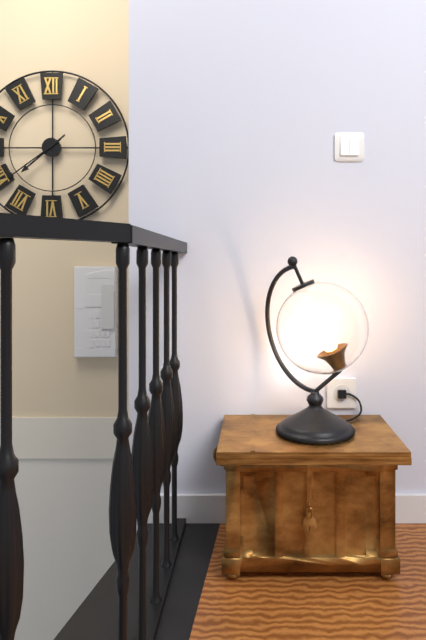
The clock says **7:39**
